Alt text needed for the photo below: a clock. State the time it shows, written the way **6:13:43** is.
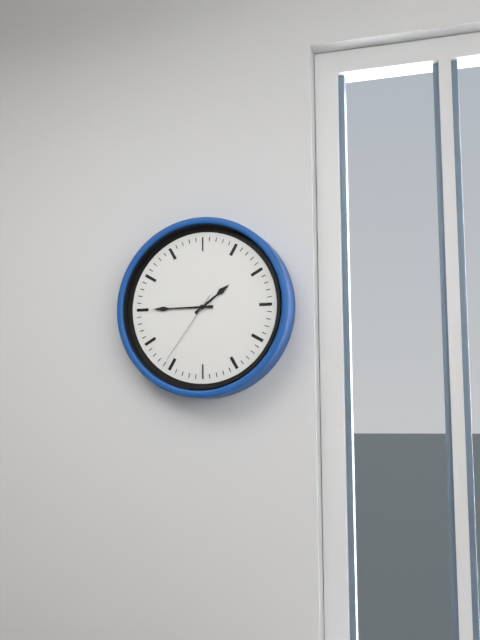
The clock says **1:45:36**
